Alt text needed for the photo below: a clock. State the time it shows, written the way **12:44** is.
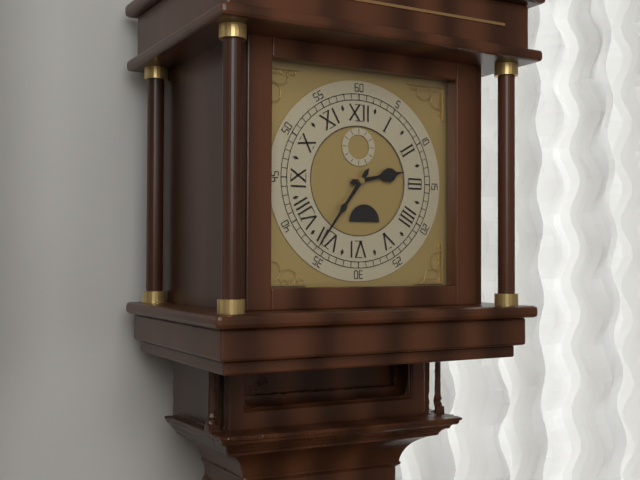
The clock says **2:36**
